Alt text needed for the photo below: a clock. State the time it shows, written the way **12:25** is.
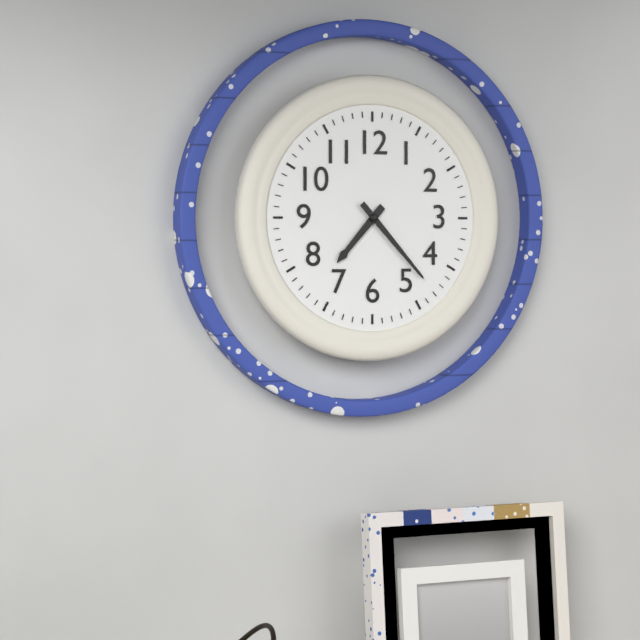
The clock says **7:23**
